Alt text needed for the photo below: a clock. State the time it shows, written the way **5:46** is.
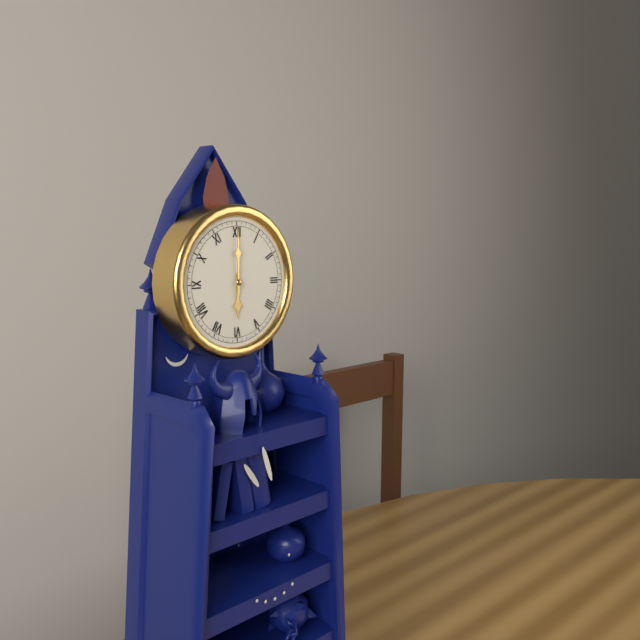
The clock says **6:00**
